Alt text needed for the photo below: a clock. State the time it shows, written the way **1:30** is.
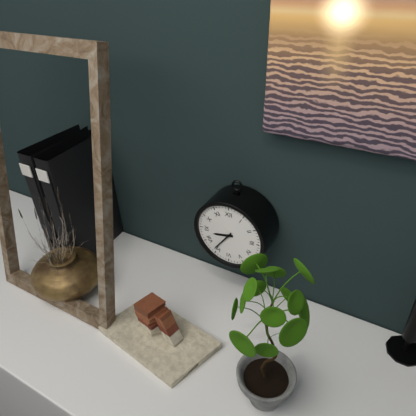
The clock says **8:36**
